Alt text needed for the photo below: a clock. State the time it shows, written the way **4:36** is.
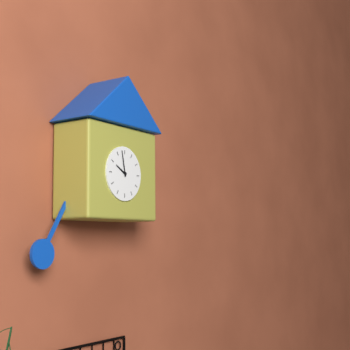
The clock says **9:58**
